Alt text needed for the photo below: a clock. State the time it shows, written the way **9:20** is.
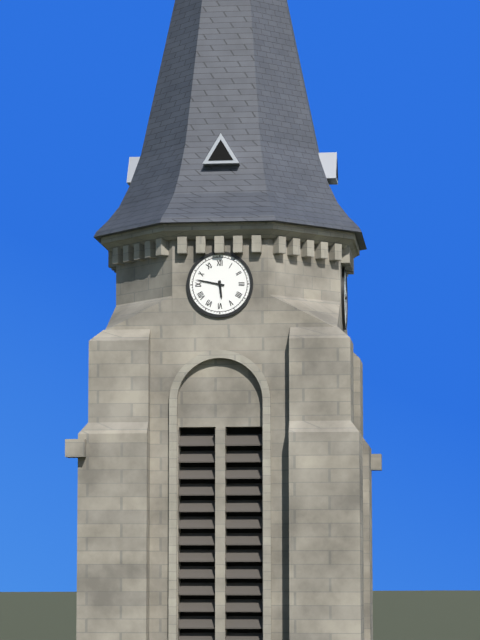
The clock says **5:47**
